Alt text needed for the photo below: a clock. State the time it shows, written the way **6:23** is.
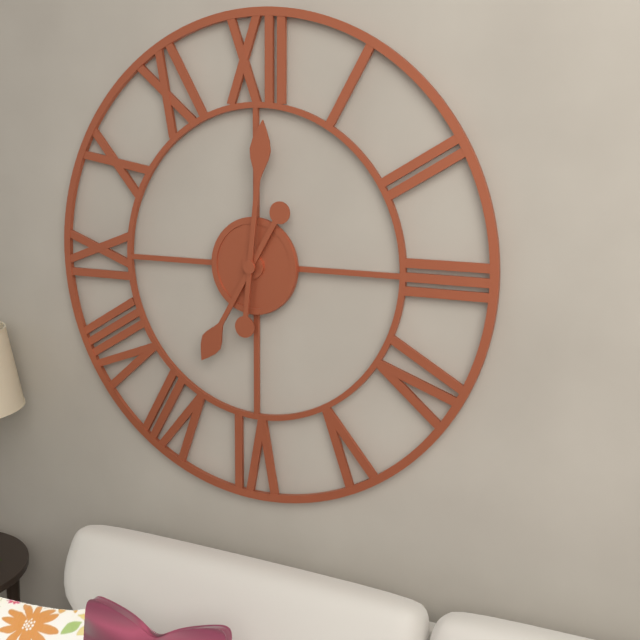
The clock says **7:01**
